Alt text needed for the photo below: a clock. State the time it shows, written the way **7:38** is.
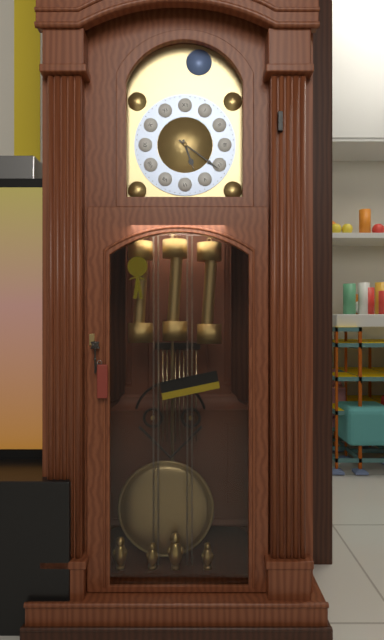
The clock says **5:21**
